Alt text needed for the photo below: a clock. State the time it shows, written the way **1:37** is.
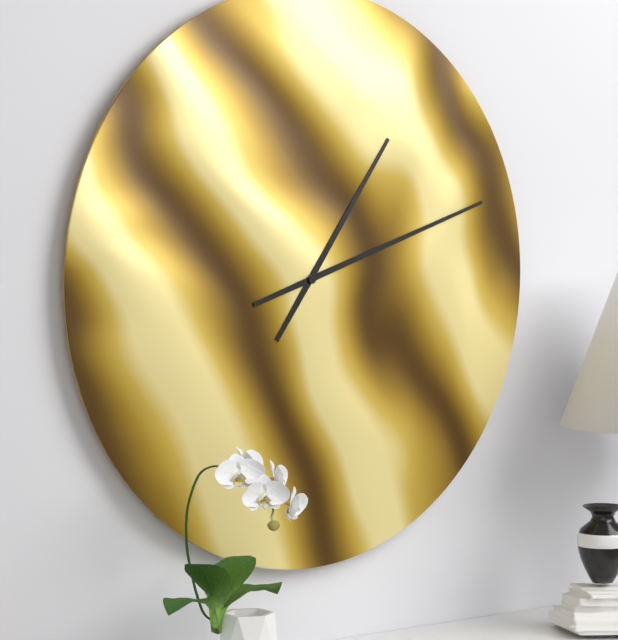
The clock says **1:12**
